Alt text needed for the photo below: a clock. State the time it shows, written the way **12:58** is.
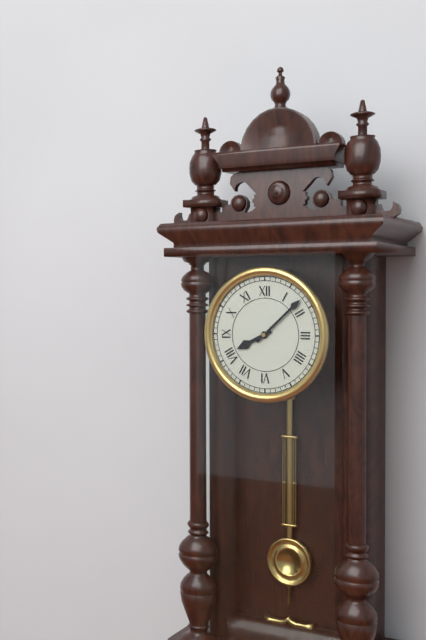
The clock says **8:08**
